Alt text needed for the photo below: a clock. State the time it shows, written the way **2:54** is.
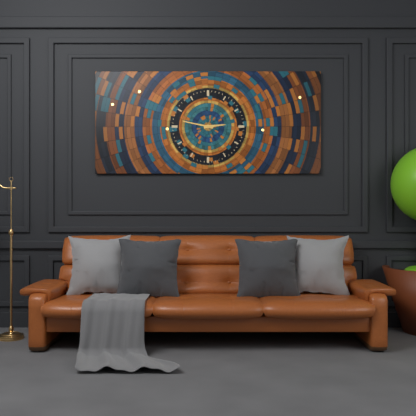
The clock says **2:47**
